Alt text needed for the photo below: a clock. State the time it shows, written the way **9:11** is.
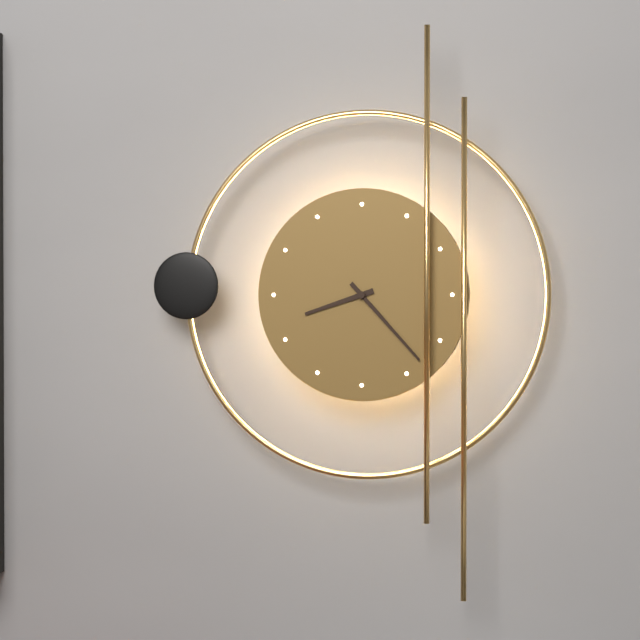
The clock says **8:23**
